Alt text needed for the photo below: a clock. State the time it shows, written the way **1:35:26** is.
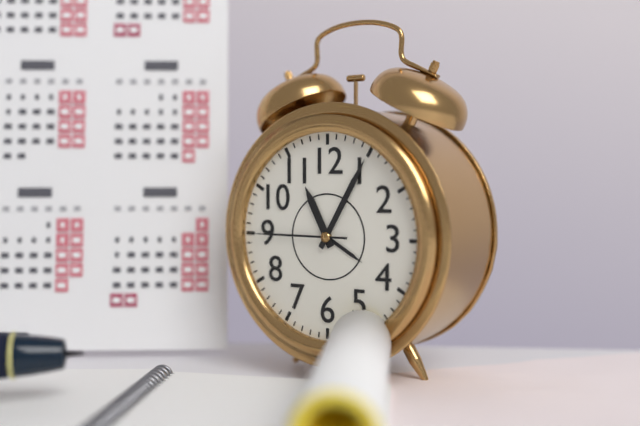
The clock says **11:05:45**
